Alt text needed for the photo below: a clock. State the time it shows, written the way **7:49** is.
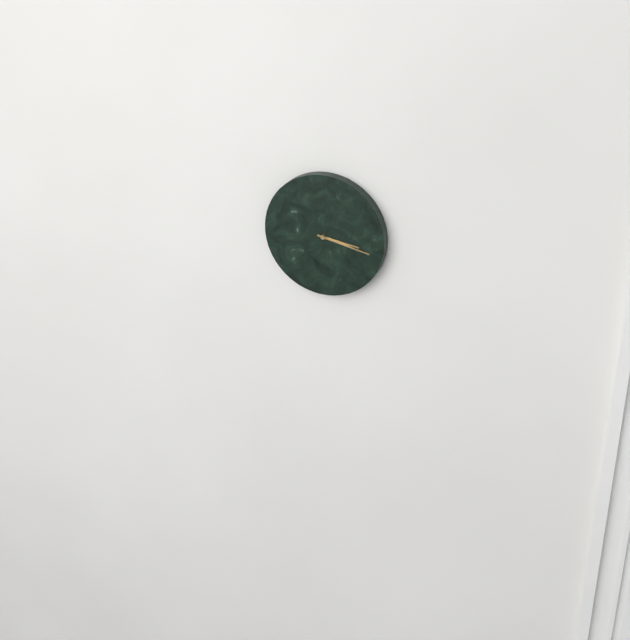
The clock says **3:17**
